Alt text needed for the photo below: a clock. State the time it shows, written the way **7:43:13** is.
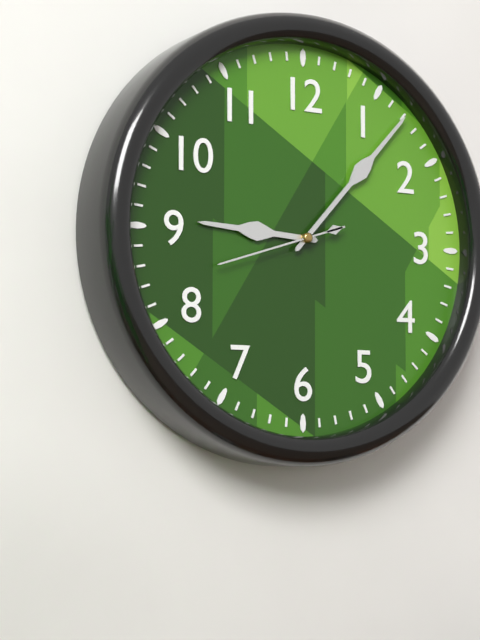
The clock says **9:07:42**
